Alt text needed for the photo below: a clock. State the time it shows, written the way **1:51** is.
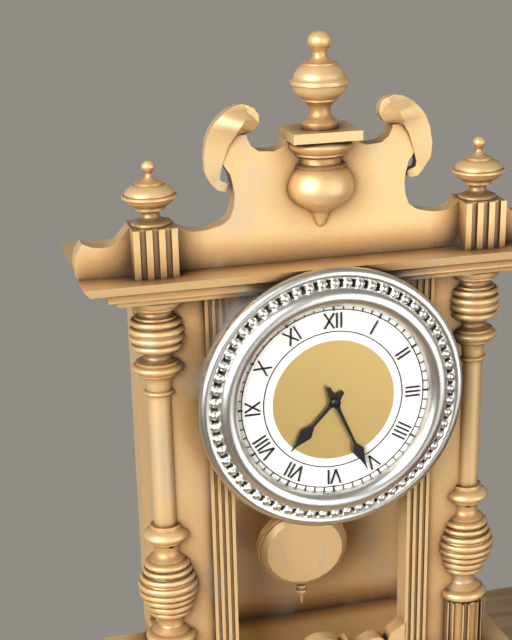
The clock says **7:26**
